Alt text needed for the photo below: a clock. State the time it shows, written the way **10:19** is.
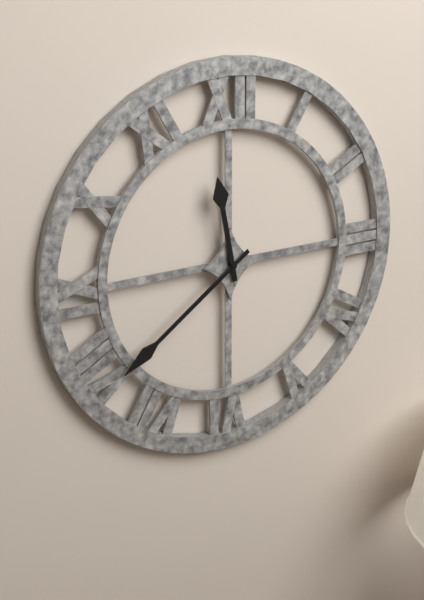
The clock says **11:39**
